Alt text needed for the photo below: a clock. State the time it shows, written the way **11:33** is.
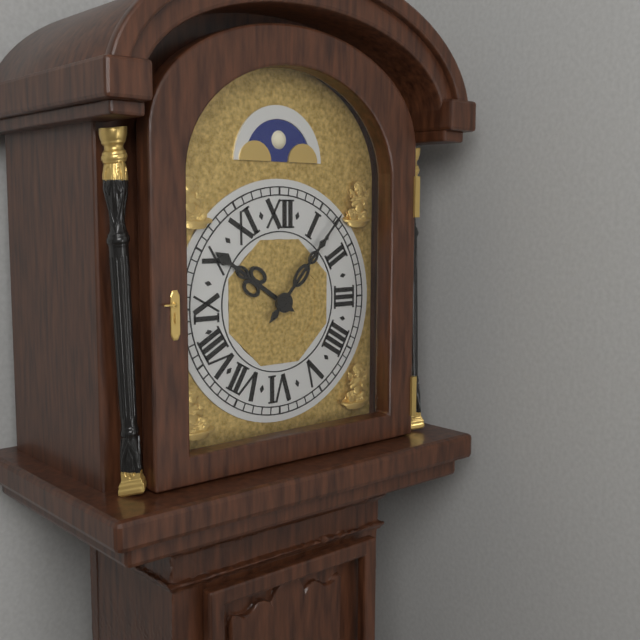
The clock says **10:07**
